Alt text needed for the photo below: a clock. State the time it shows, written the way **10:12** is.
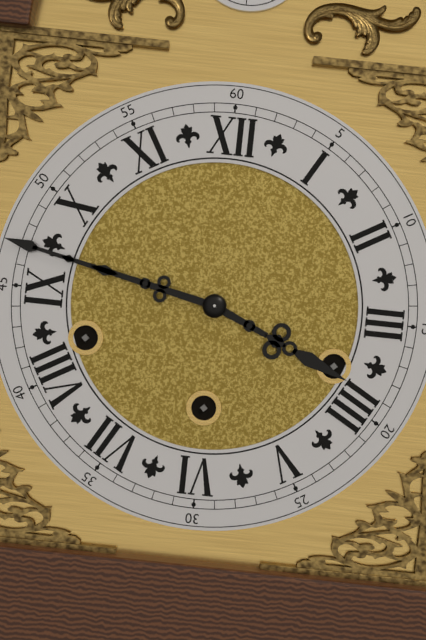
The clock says **3:47**
